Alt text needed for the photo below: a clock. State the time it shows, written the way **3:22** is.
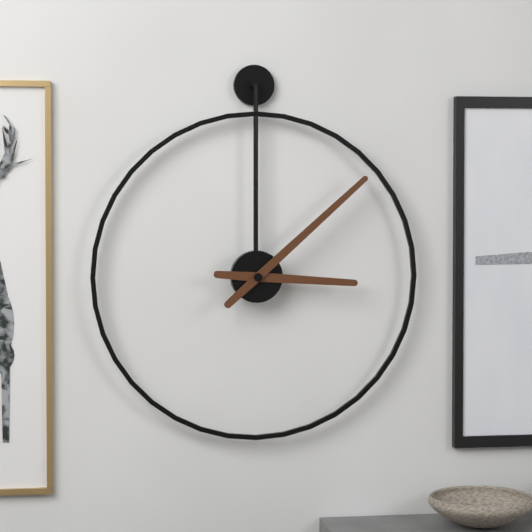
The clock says **3:08**
